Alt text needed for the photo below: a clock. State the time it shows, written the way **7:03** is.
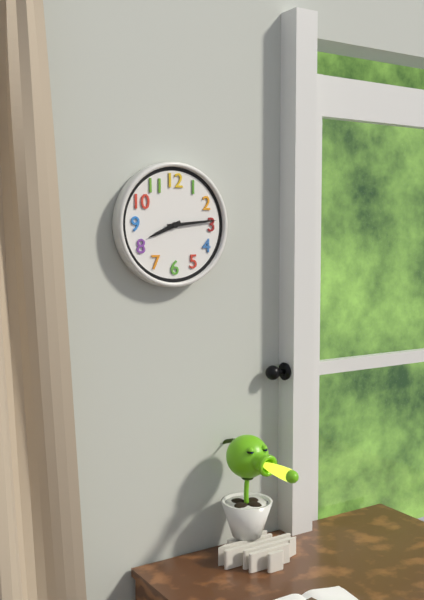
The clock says **8:14**
